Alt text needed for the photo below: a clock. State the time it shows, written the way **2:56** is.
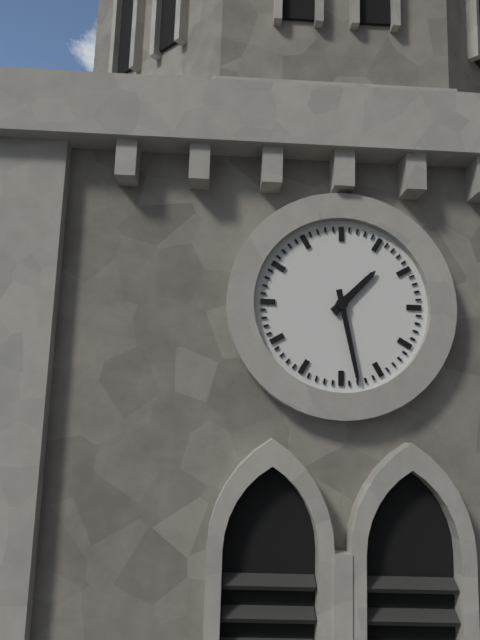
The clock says **1:28**
